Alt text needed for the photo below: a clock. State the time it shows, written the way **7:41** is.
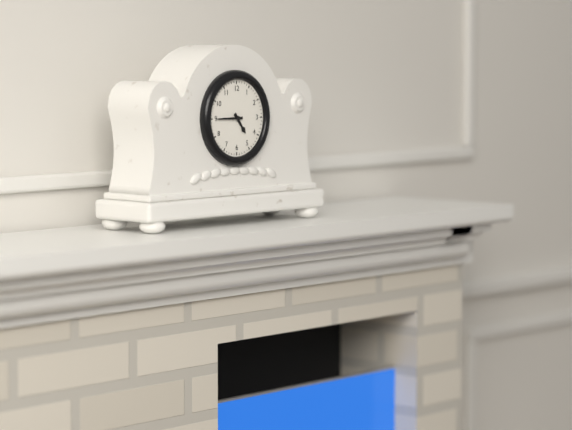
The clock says **4:45**
